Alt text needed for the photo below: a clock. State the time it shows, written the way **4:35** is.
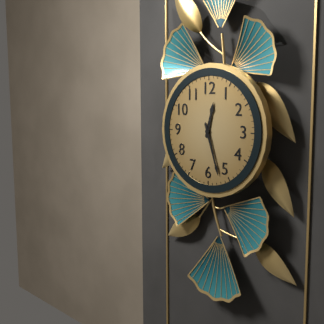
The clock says **12:27**
